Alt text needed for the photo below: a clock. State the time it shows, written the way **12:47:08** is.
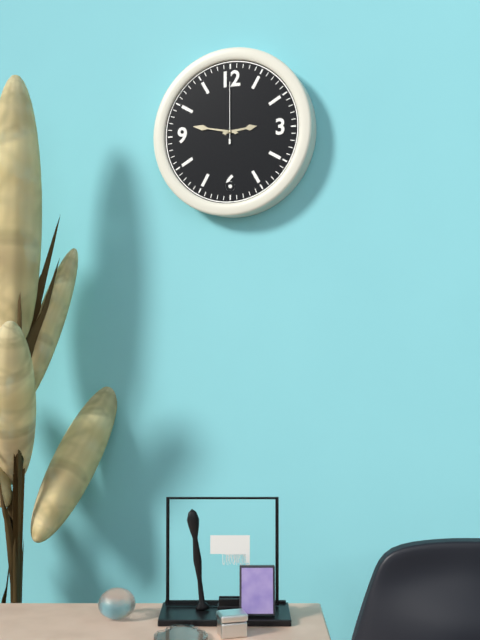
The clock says **2:47:00**
